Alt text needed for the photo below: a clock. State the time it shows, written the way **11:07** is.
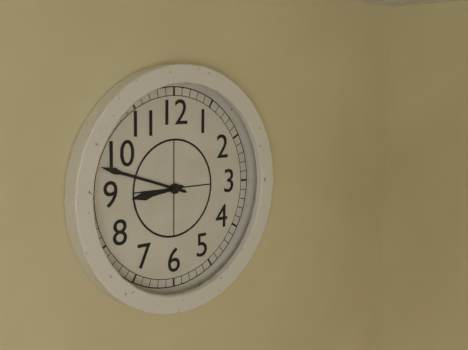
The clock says **8:48**
